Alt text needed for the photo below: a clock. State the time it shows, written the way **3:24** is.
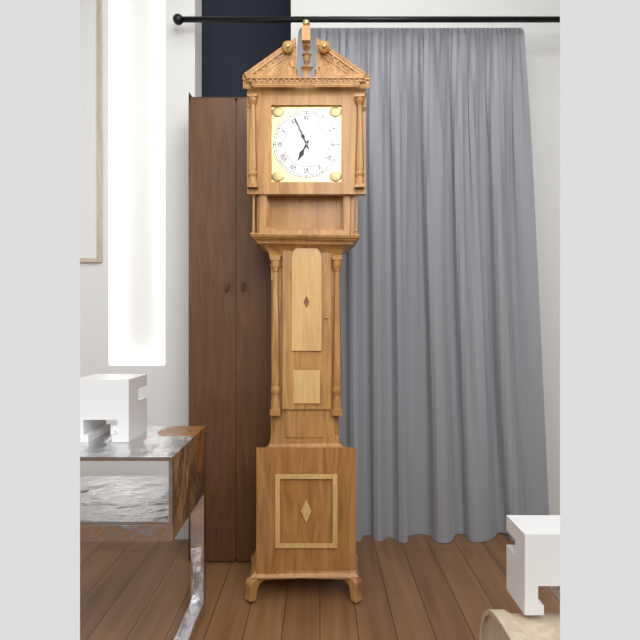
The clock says **6:56**
